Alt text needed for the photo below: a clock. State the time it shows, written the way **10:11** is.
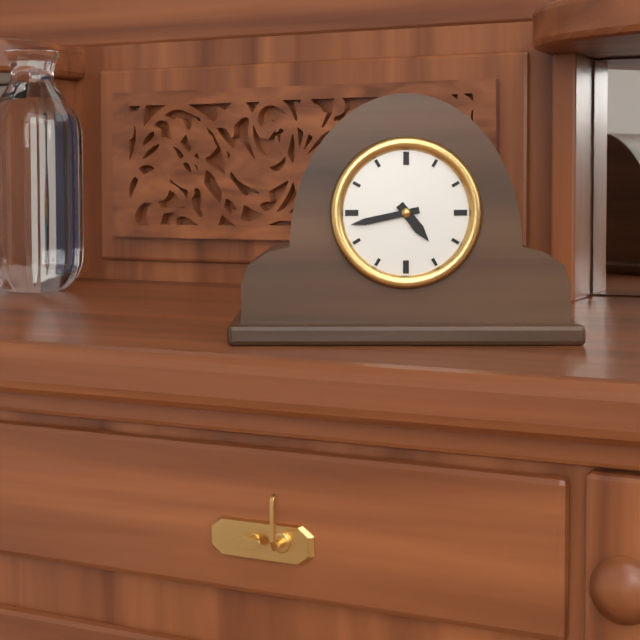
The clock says **4:43**
